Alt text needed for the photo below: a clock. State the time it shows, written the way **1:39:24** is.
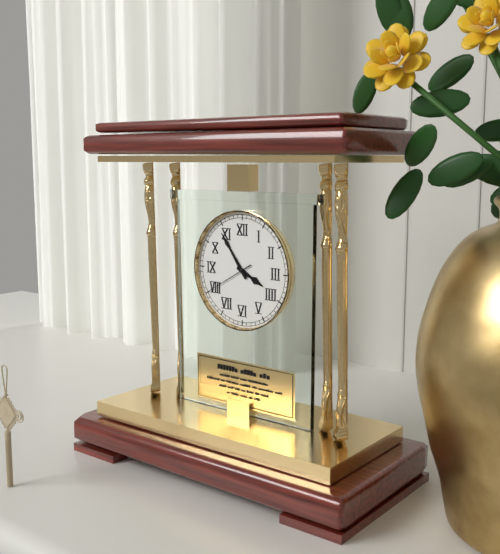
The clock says **3:54:40**
